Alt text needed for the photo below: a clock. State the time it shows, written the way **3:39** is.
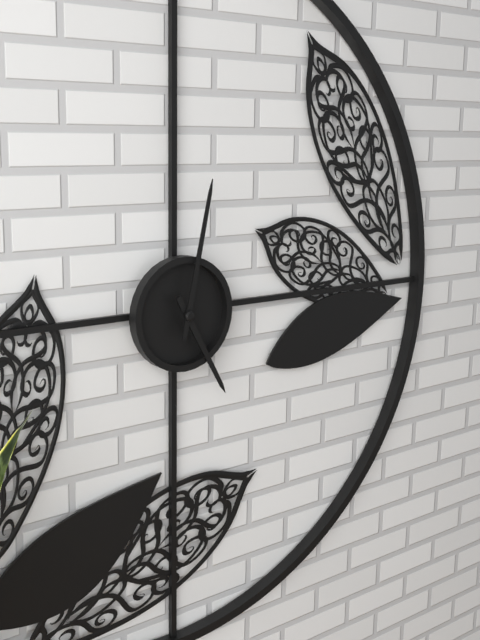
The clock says **5:02**
